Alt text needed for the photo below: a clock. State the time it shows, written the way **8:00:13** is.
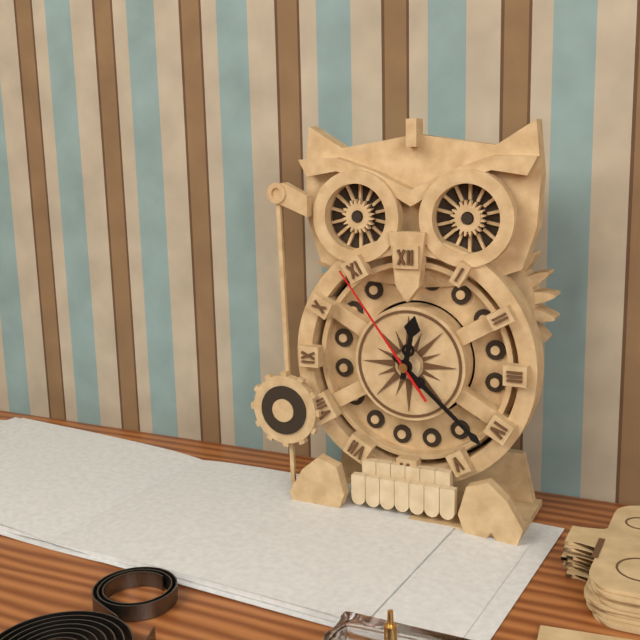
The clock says **12:22:54**
